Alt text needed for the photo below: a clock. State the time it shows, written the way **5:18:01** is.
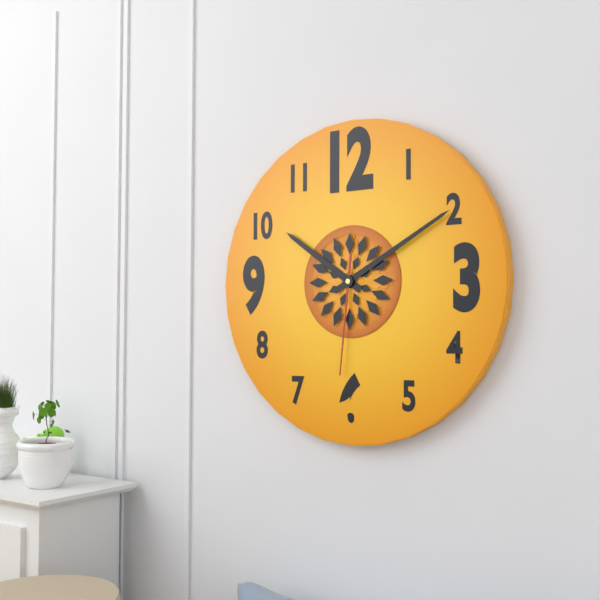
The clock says **10:10:31**
